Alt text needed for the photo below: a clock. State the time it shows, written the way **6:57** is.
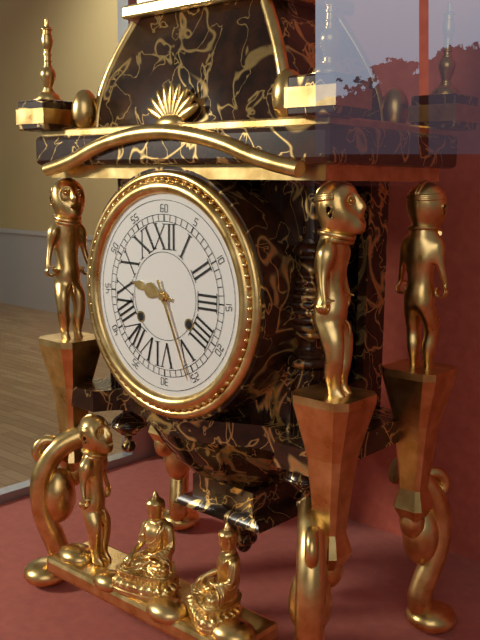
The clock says **9:26**
